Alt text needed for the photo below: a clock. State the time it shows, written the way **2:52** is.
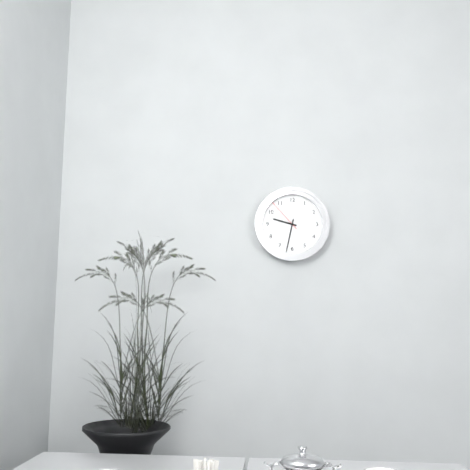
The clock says **9:32**
